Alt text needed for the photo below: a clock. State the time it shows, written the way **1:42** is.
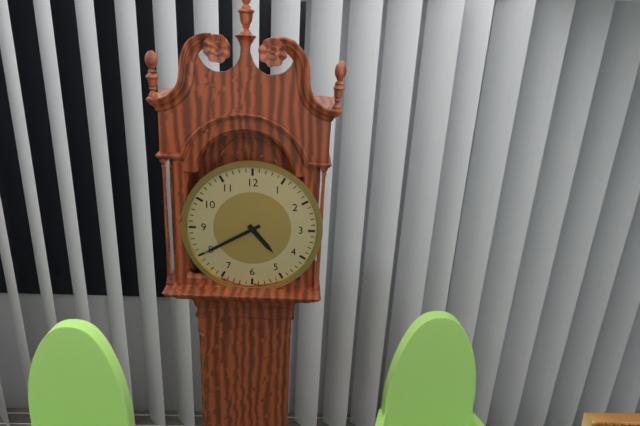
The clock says **4:40**
